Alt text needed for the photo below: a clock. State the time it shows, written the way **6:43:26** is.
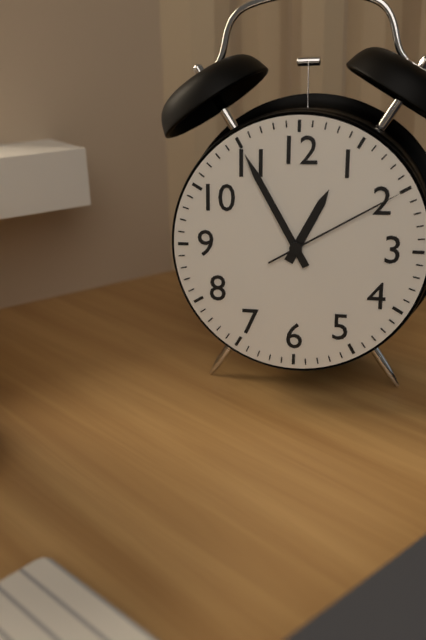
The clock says **12:55:10**
